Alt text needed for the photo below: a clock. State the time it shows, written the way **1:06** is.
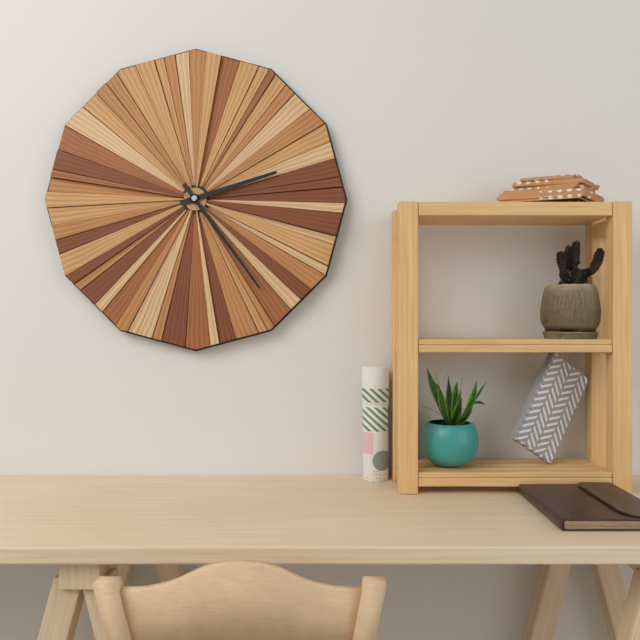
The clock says **2:24**
